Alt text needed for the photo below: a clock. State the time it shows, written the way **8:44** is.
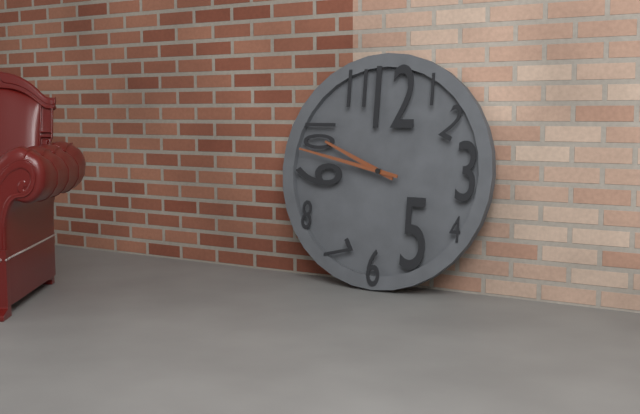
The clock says **9:47**
